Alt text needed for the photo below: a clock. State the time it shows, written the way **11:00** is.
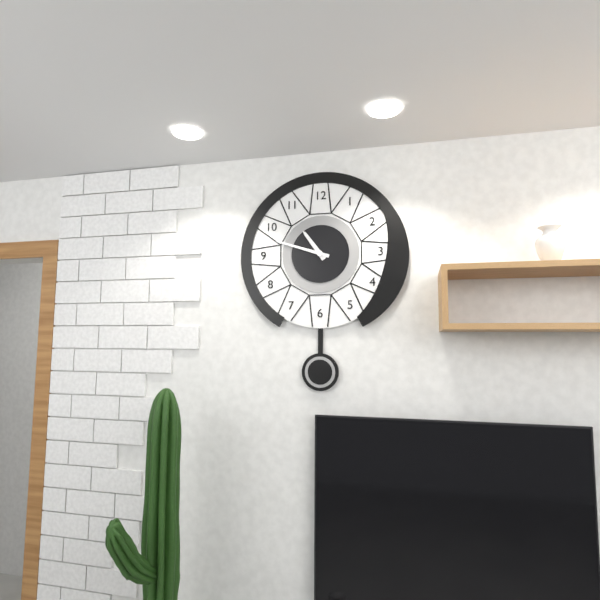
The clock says **10:48**
